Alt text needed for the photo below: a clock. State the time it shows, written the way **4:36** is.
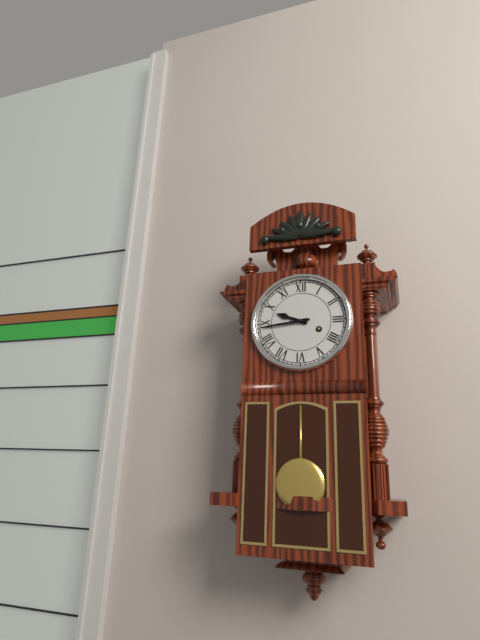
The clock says **9:44**
